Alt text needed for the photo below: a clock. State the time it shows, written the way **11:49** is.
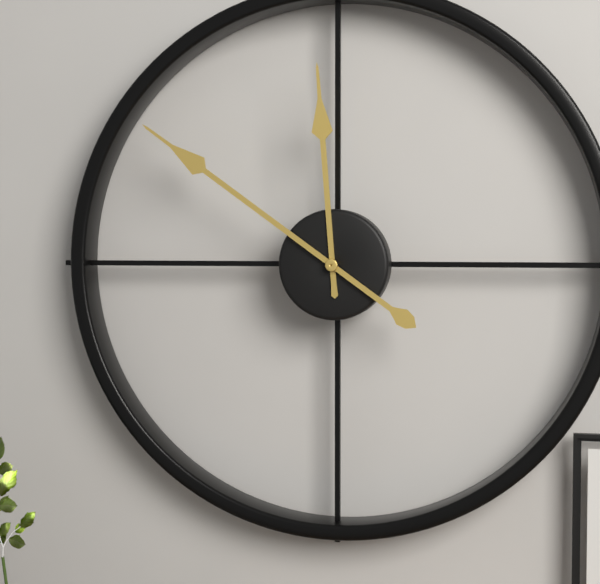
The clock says **11:51**
